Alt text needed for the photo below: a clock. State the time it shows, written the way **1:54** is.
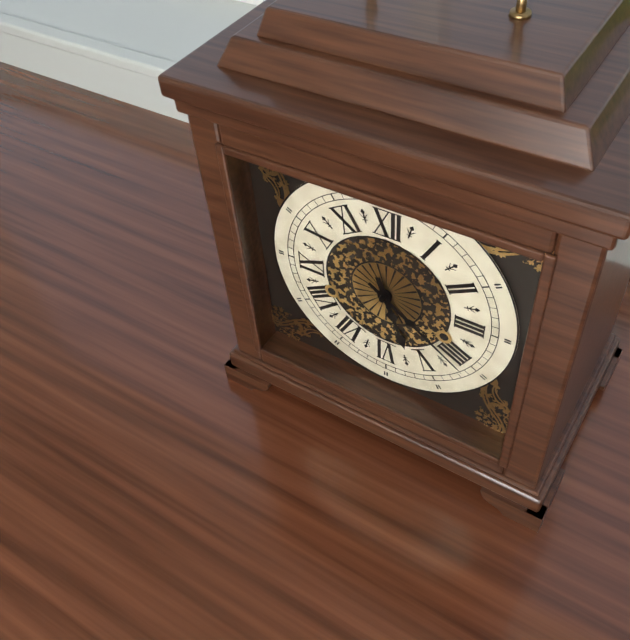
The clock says **5:21**
